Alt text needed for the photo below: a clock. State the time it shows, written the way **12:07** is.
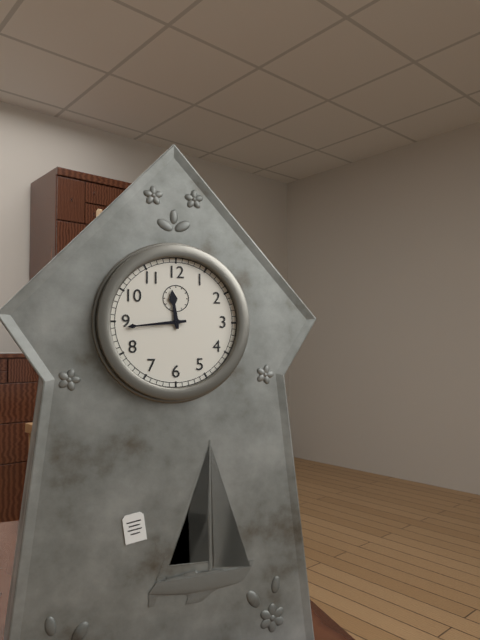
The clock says **11:44**
